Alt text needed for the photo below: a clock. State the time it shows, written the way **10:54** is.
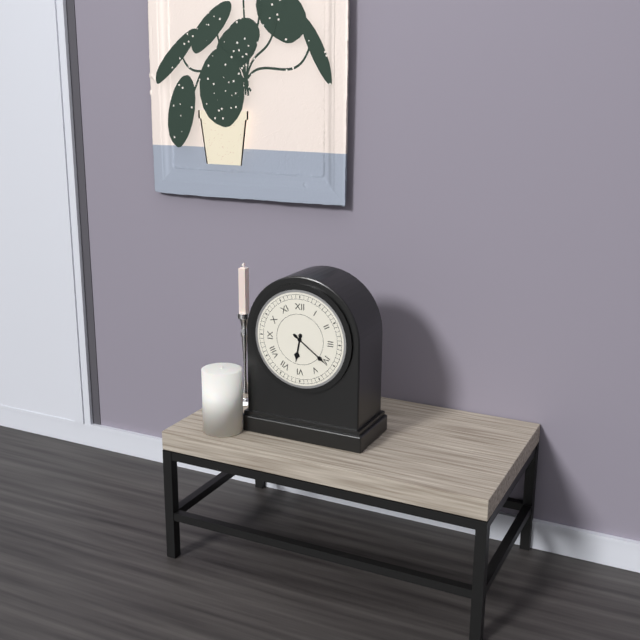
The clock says **6:21**
